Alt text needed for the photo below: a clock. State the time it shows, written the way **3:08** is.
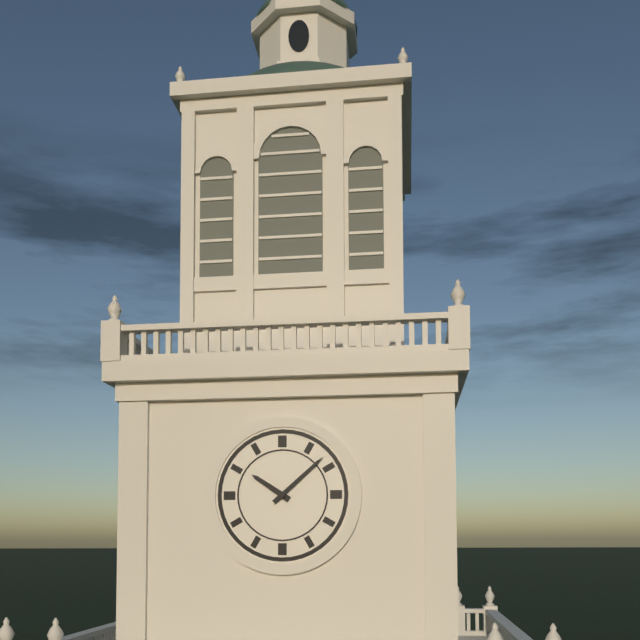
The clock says **10:08**
